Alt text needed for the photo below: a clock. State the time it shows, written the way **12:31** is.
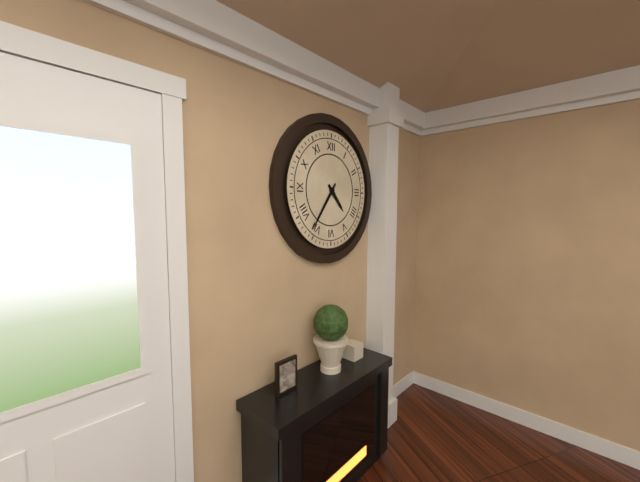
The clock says **4:36**
